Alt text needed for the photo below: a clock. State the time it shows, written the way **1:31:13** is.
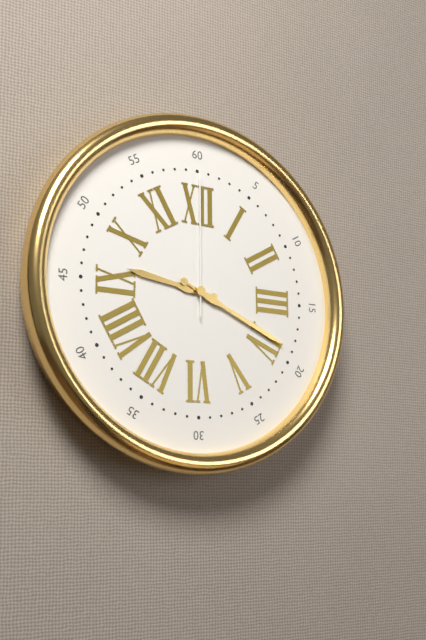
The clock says **9:19:00**
